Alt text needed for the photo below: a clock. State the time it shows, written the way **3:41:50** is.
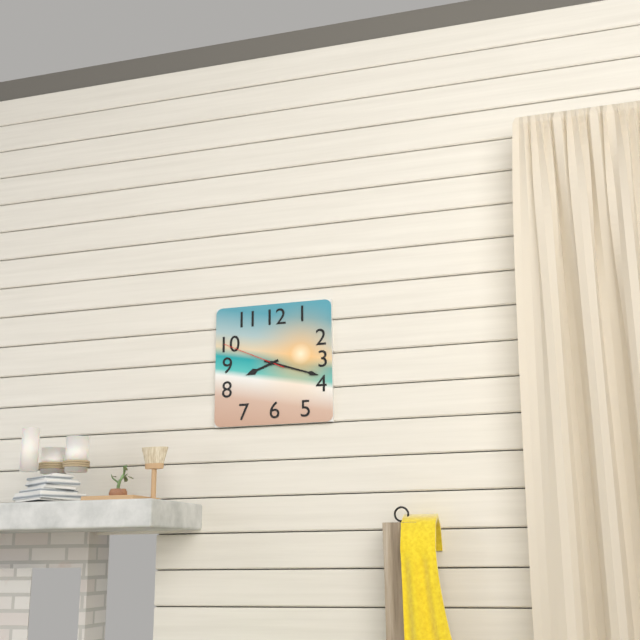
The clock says **8:18:49**
